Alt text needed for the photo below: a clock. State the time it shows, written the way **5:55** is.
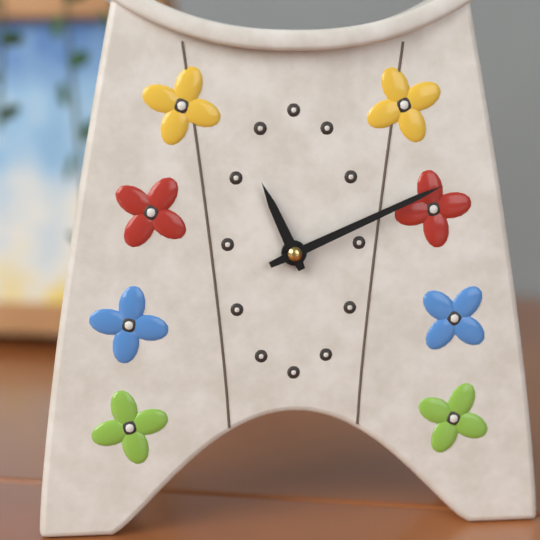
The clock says **11:11**
